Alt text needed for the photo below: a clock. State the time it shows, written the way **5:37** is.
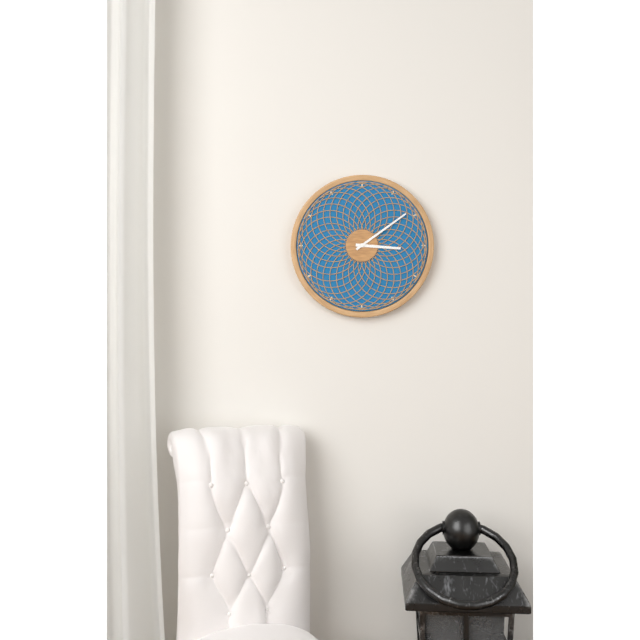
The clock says **3:09**
